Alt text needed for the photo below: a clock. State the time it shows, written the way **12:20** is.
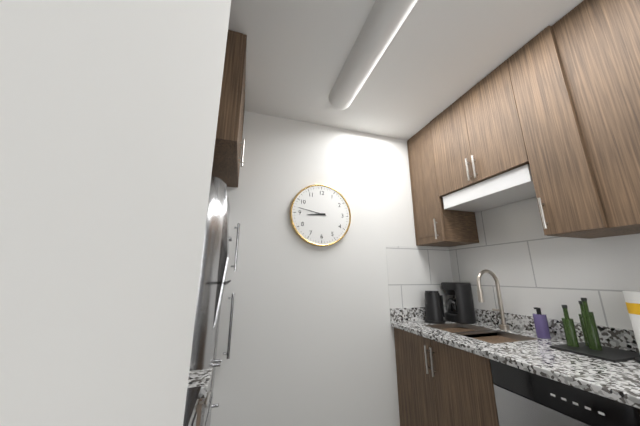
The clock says **8:47**
